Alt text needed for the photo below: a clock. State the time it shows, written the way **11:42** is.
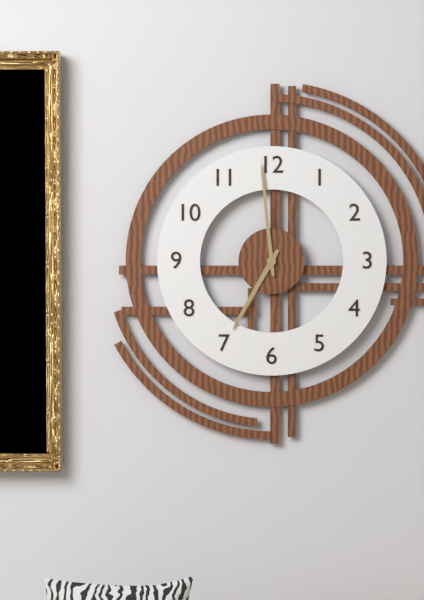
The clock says **6:59**
